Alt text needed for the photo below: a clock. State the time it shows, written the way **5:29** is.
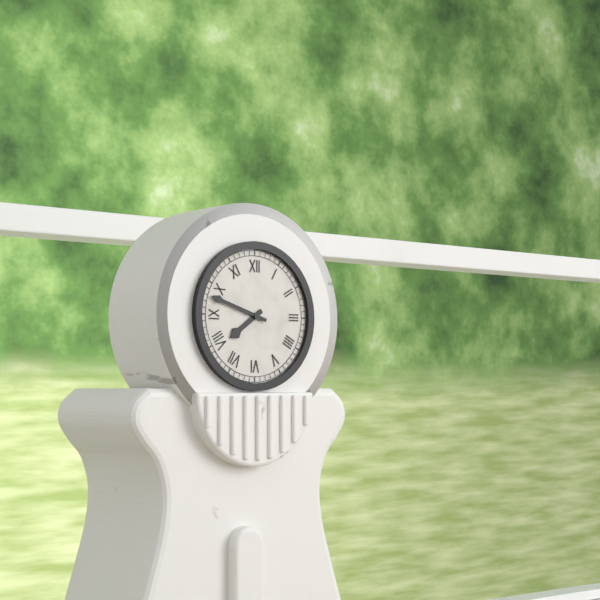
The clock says **7:48**
